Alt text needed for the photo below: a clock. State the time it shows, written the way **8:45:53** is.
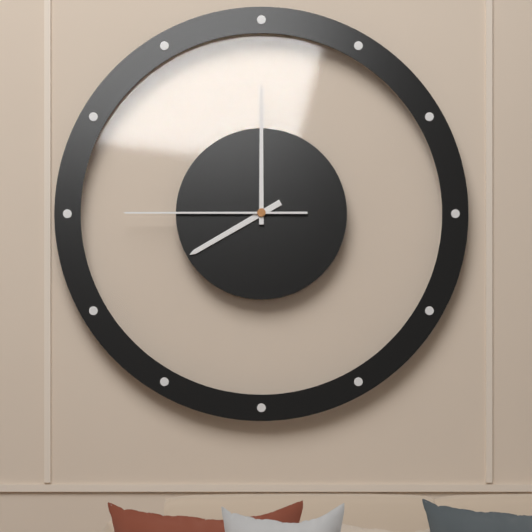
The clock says **8:00:45**
